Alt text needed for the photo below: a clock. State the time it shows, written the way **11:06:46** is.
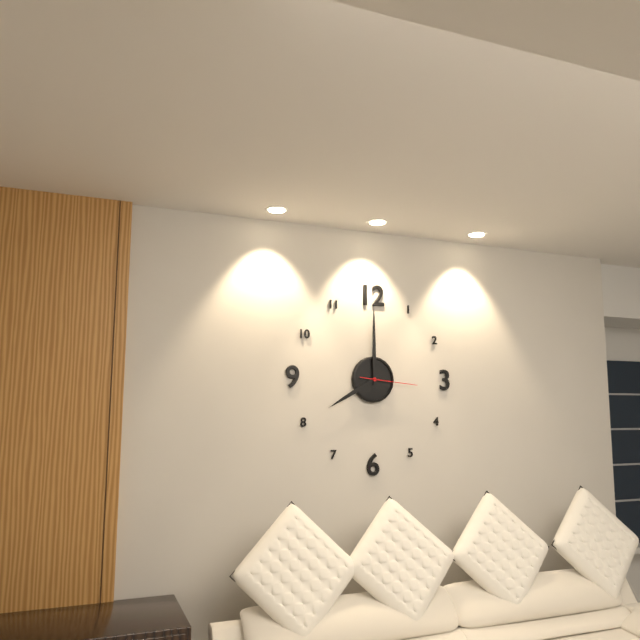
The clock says **8:00:16**
